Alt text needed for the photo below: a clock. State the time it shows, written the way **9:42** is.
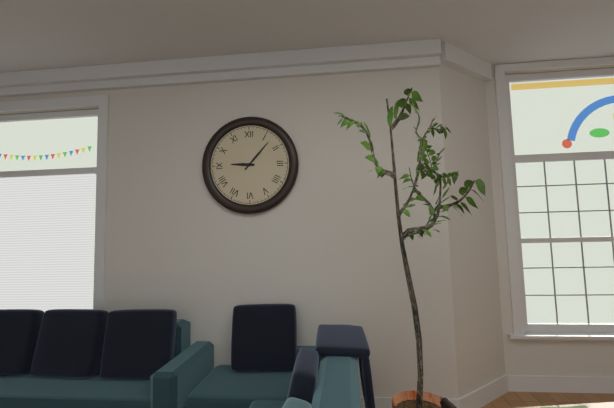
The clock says **9:07**
